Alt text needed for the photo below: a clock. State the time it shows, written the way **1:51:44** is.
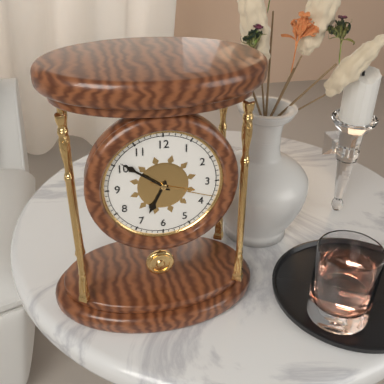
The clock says **6:51:18**
